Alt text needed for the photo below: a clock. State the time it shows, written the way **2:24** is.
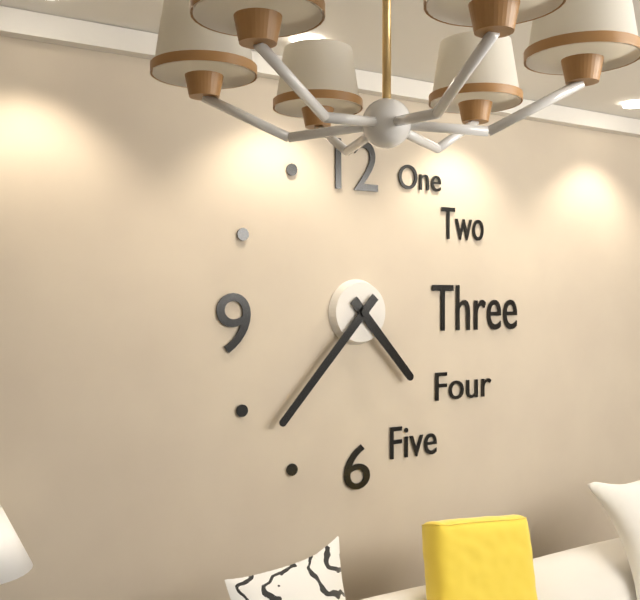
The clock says **4:37**
